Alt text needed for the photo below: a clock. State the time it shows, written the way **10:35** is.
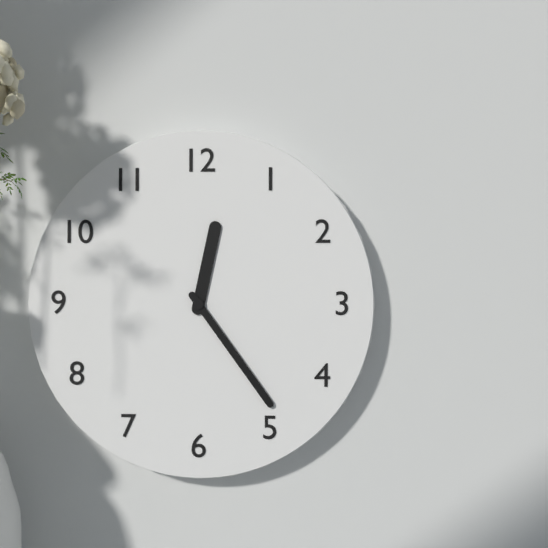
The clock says **12:24**
